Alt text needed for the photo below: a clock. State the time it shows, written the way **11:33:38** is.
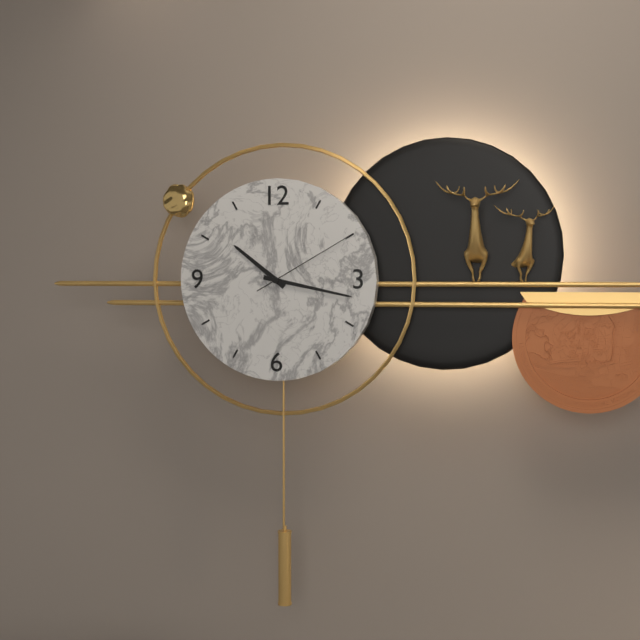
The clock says **10:17:10**
